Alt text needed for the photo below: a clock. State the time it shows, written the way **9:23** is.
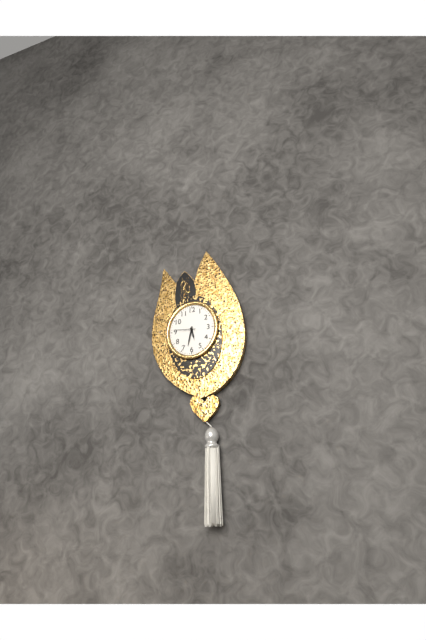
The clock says **5:32**
